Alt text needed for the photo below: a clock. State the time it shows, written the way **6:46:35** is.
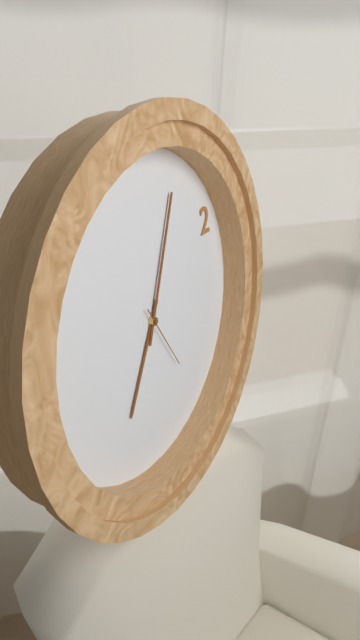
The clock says **7:04:25**
